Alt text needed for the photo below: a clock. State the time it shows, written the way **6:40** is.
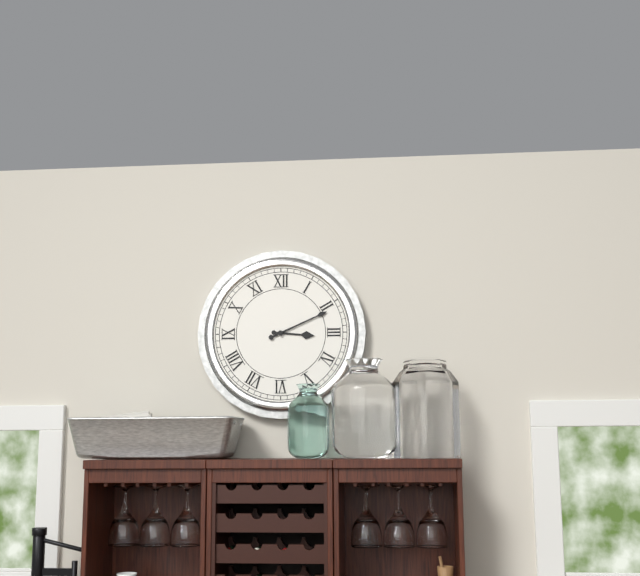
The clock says **3:11**
